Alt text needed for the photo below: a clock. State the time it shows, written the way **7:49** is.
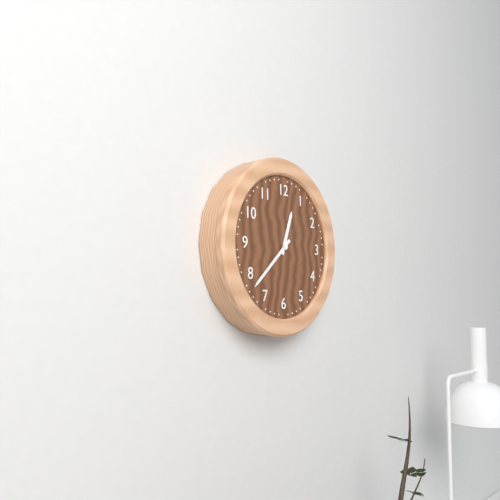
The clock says **12:38**
